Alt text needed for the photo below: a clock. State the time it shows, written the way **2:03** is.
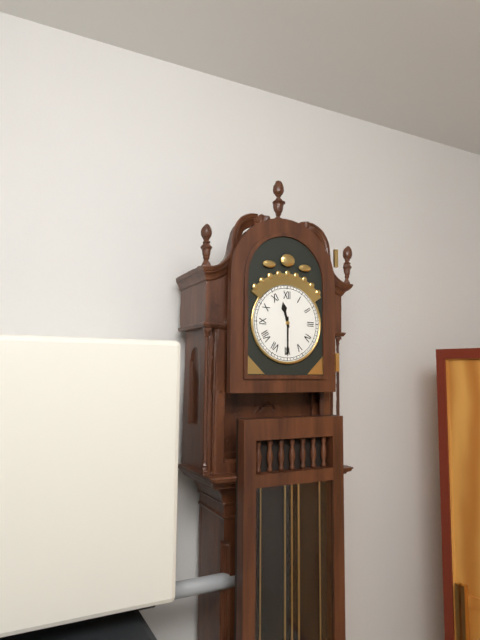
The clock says **11:30**
